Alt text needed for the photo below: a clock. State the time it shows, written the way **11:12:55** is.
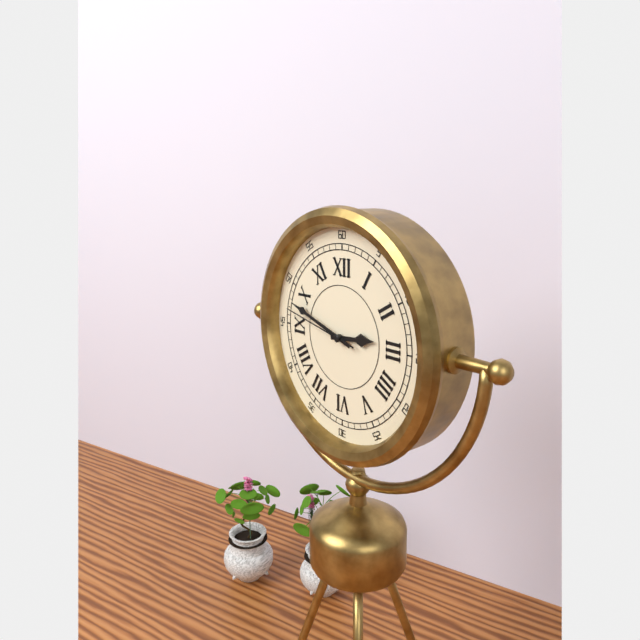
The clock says **2:48:47**
